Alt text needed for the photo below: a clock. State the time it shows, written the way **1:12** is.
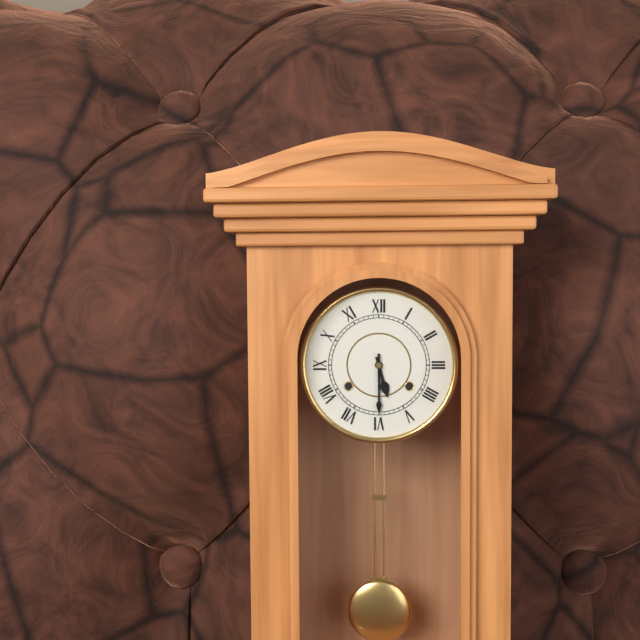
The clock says **5:30**
